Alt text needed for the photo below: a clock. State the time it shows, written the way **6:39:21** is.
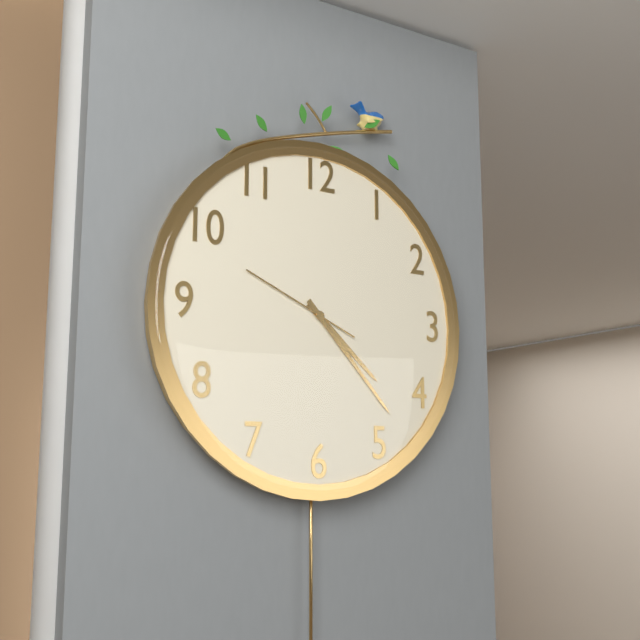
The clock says **4:23:49**
